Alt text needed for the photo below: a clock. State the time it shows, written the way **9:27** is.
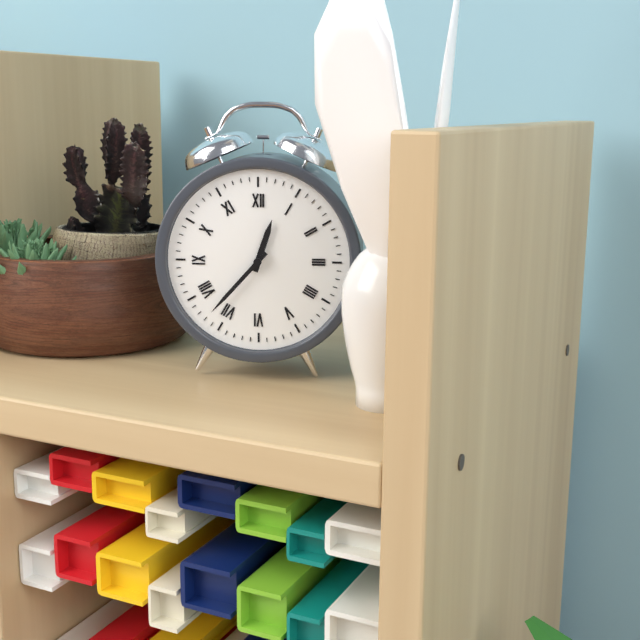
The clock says **12:37**
